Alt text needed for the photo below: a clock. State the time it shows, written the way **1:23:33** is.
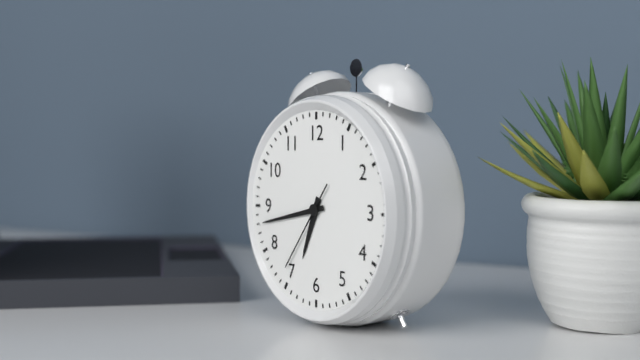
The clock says **6:43:36**
